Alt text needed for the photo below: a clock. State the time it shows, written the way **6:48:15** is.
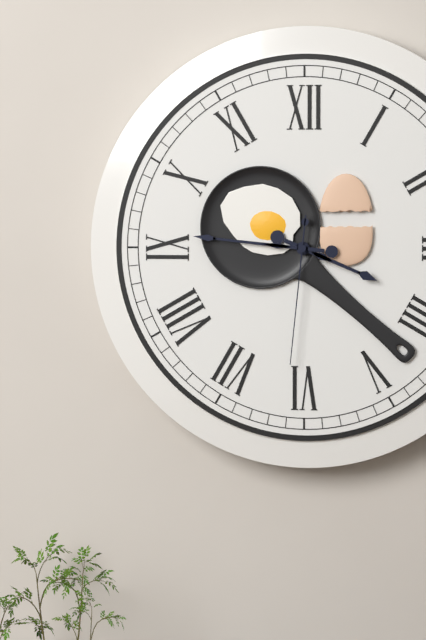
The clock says **3:46:31**
